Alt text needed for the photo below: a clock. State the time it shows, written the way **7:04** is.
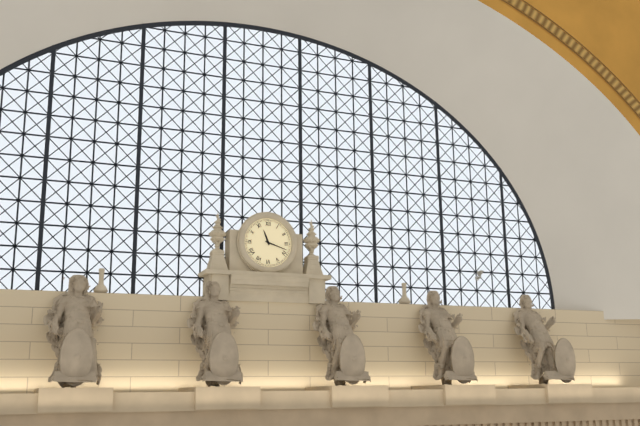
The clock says **11:18**
